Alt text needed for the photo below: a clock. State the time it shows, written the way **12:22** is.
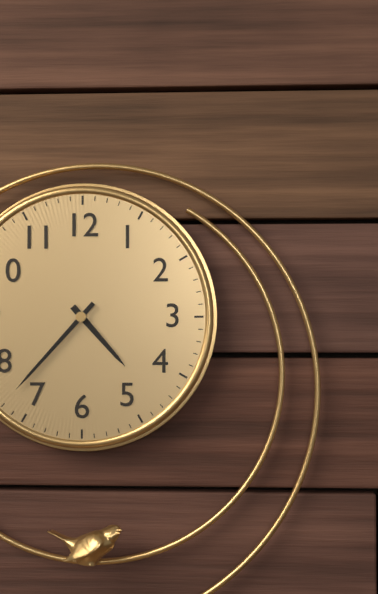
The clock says **4:37**
